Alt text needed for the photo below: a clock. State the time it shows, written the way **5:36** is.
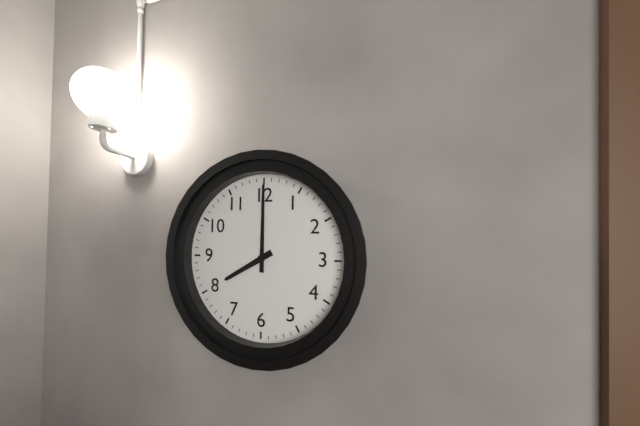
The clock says **8:00**
